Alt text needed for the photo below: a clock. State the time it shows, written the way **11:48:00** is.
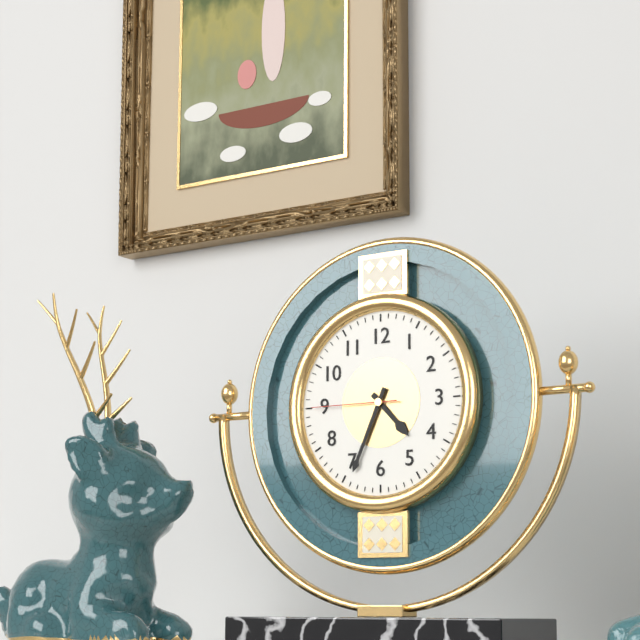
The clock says **4:34:45**
